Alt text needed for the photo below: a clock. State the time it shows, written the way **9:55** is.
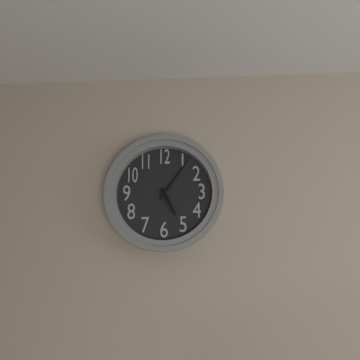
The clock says **5:06**
